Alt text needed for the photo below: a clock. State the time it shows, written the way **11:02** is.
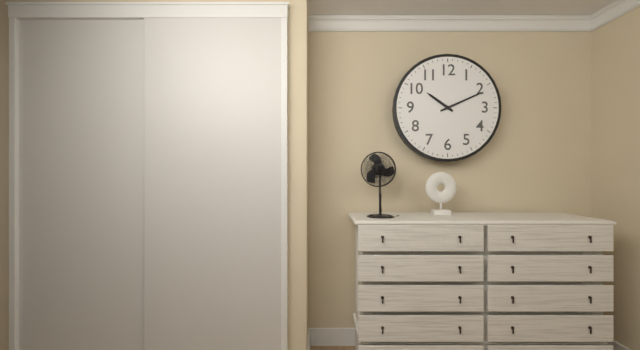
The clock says **10:11**
